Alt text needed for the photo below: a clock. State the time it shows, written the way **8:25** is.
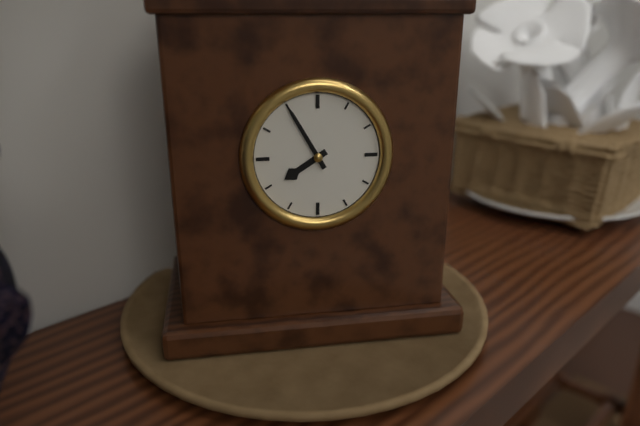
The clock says **7:55**
